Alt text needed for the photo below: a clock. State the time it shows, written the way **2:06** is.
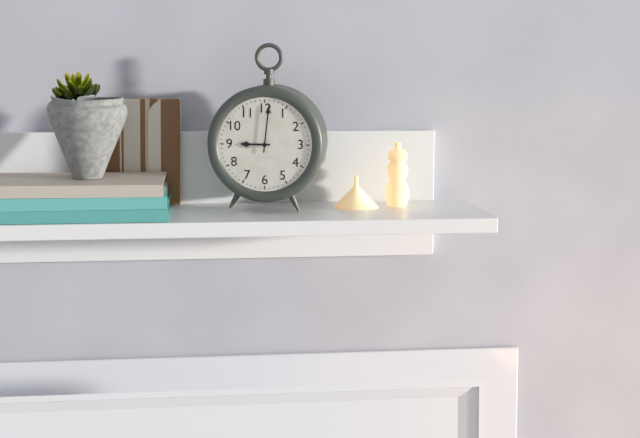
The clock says **9:01**
